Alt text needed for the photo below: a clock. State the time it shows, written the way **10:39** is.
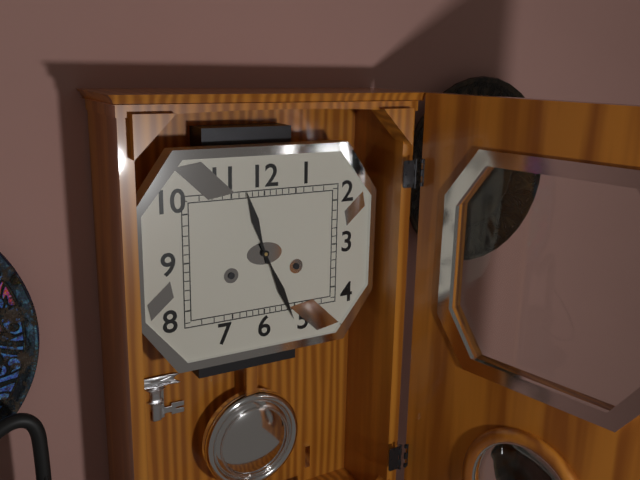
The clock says **11:26**
